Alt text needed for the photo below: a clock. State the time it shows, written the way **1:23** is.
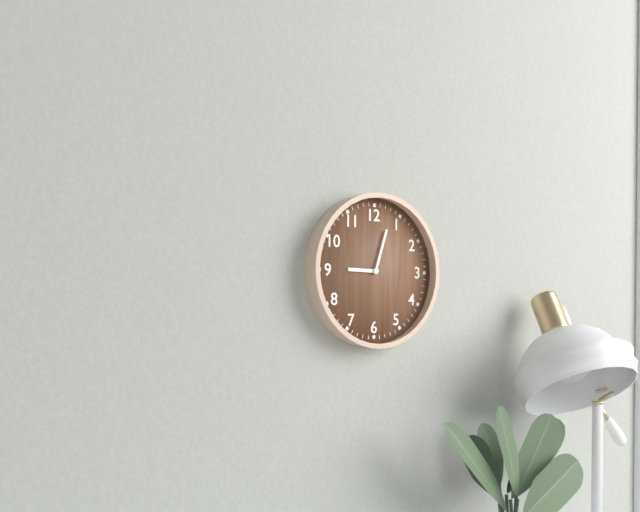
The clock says **9:03**
